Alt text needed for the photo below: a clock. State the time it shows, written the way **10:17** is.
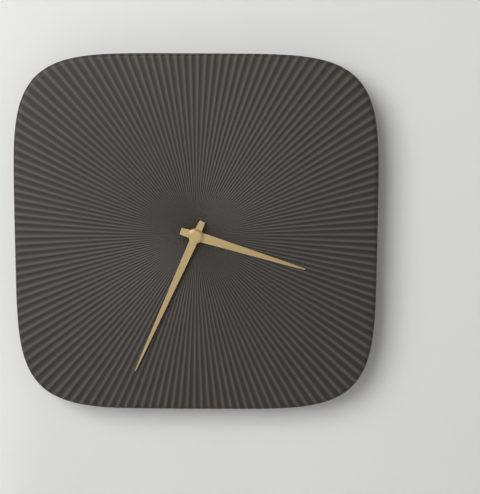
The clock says **3:34**
